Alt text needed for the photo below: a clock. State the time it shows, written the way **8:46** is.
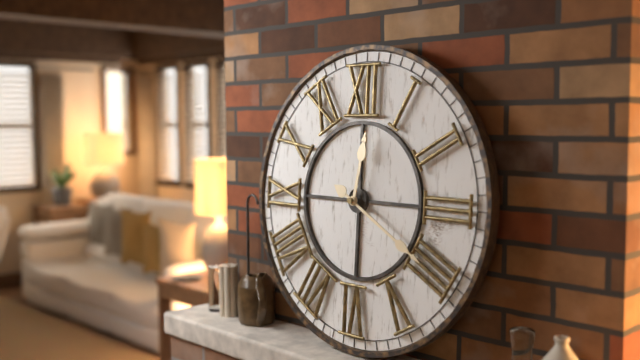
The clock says **12:20**
